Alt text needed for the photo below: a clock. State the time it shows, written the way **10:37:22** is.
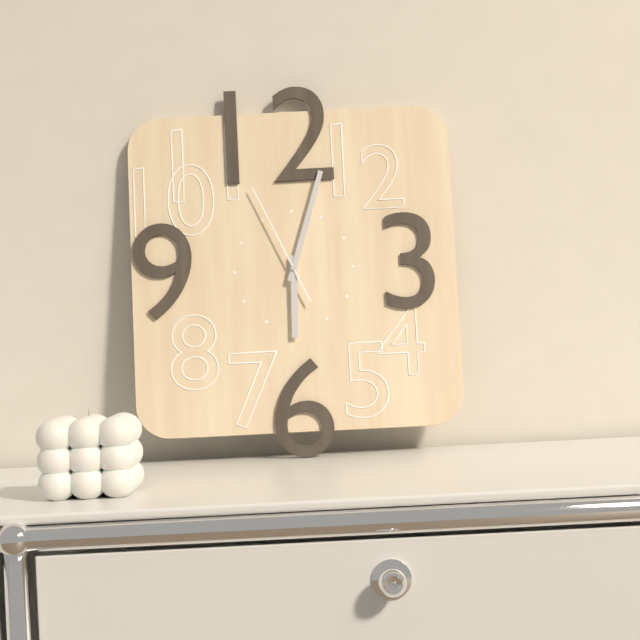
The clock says **6:03:56**
